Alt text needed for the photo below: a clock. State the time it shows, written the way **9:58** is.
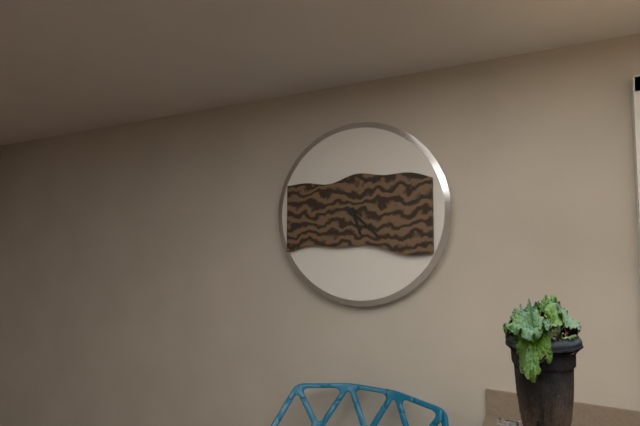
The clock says **5:22**
